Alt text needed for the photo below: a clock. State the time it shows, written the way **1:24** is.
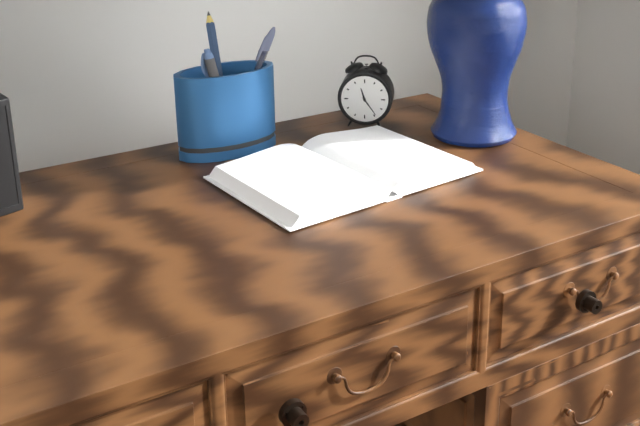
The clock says **11:24**
